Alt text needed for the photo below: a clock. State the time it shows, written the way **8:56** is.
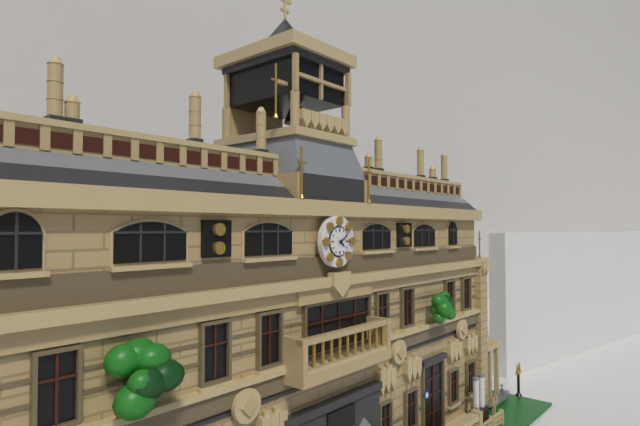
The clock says **4:10**
